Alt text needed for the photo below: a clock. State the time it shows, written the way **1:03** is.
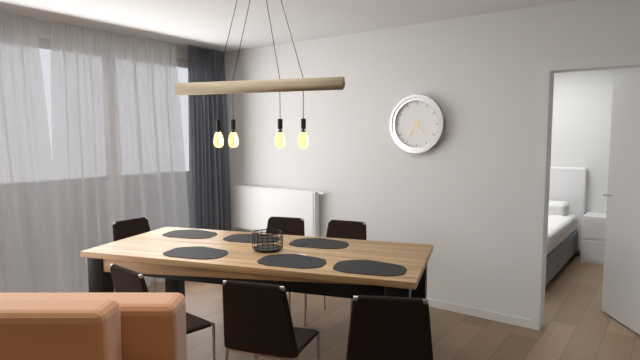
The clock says **4:36**
